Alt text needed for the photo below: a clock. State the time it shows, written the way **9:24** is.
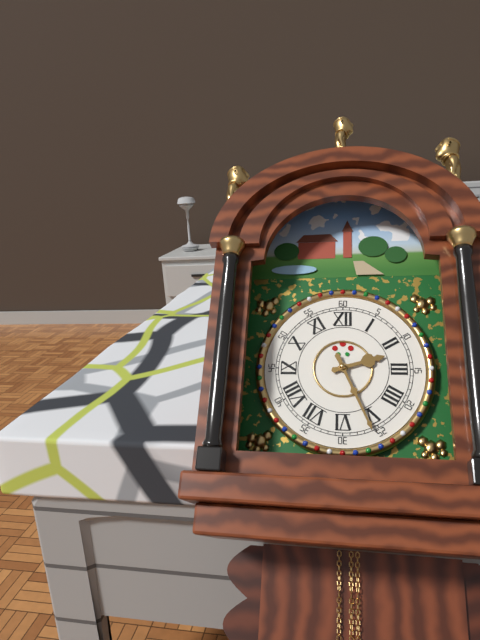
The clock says **2:26**
